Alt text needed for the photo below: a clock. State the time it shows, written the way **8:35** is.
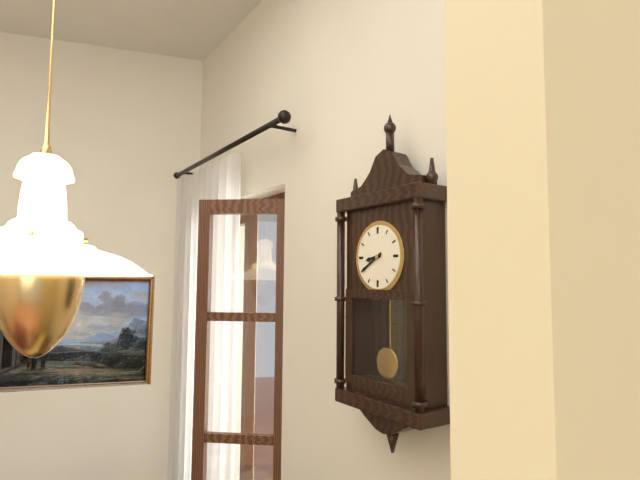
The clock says **8:40**
